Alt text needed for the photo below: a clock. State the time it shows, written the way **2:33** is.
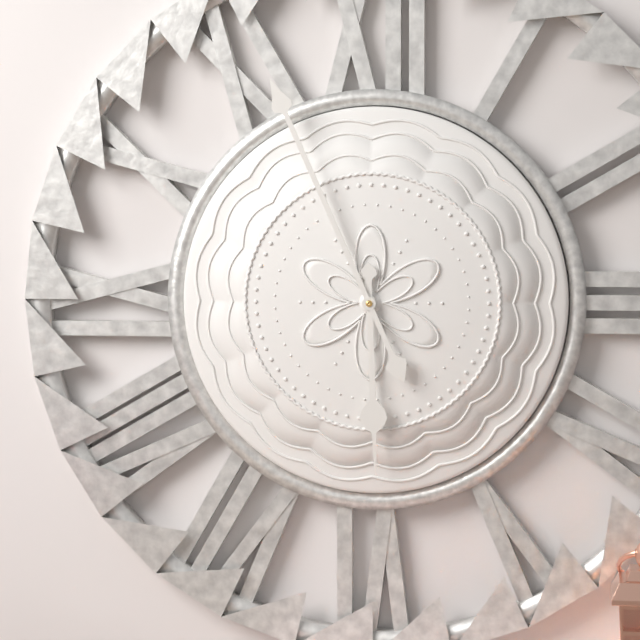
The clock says **5:56**
